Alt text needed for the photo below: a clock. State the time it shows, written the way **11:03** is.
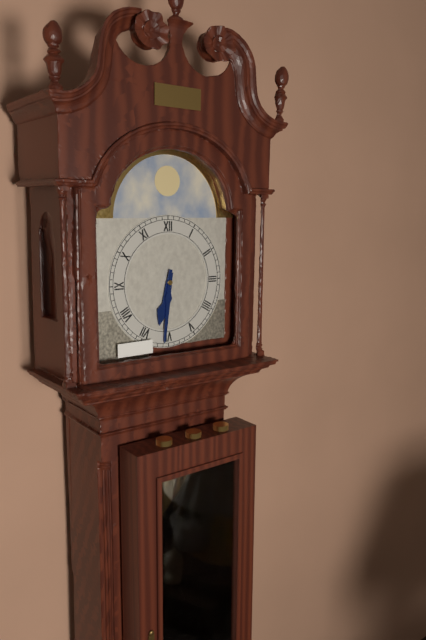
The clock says **6:31**
